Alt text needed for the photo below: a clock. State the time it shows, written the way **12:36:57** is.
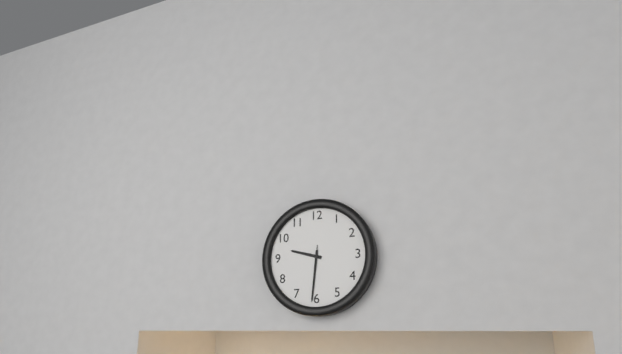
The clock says **9:31:31**
